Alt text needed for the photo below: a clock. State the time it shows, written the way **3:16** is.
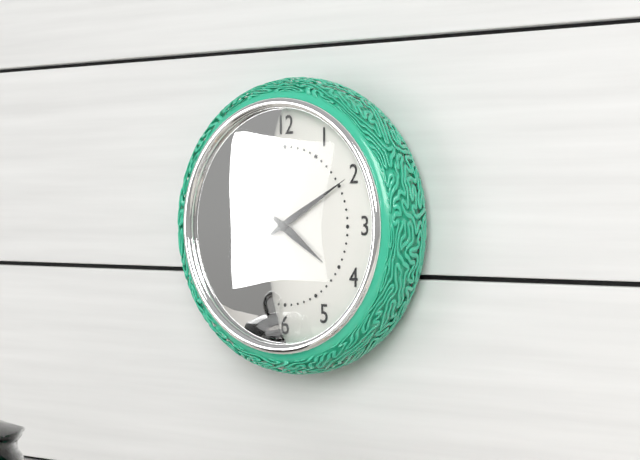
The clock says **4:10**
